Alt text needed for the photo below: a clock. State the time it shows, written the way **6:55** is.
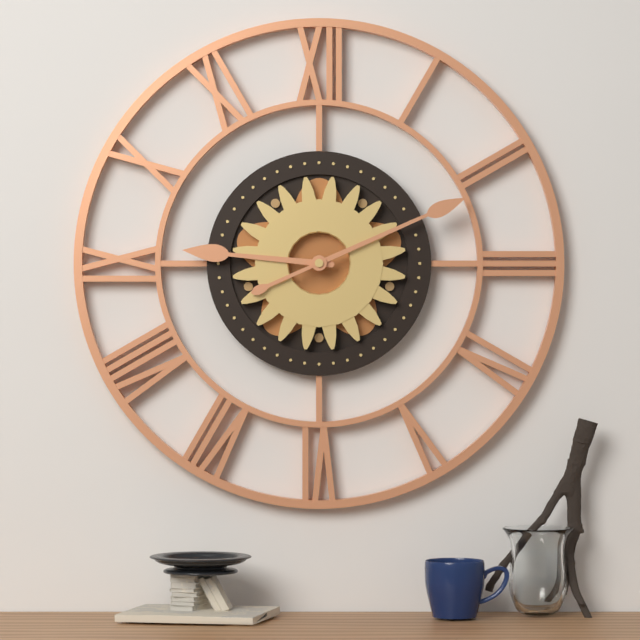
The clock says **9:11**
